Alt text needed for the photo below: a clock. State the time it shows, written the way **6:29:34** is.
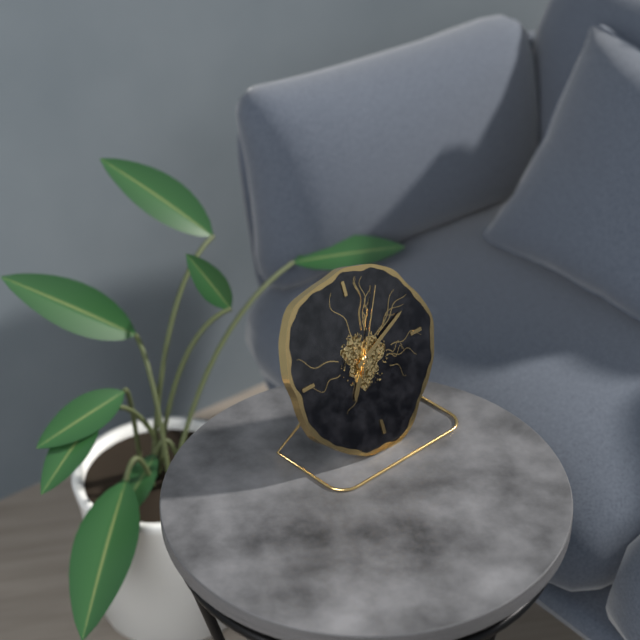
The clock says **7:11:05**
